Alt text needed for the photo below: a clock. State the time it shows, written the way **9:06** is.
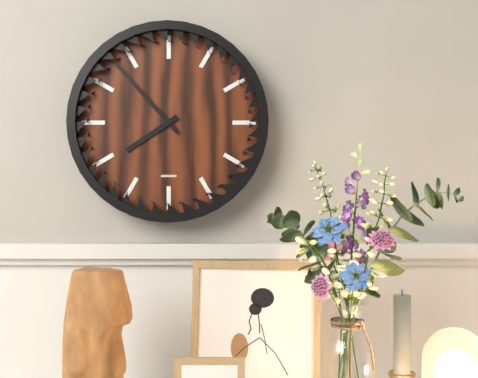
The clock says **7:53**
